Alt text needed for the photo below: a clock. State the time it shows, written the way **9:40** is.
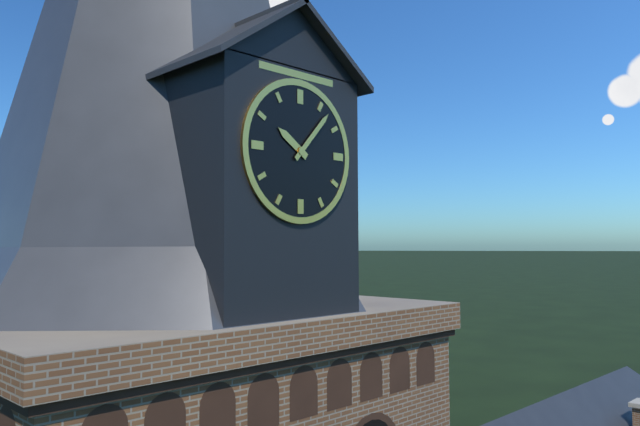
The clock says **10:07**
